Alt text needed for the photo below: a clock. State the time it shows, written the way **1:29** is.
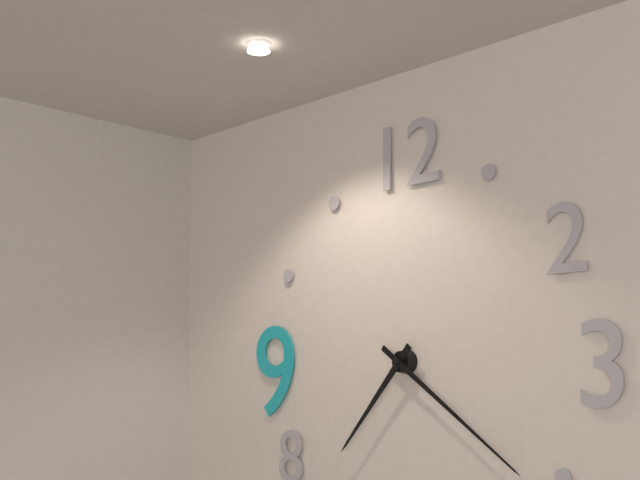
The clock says **7:21**
